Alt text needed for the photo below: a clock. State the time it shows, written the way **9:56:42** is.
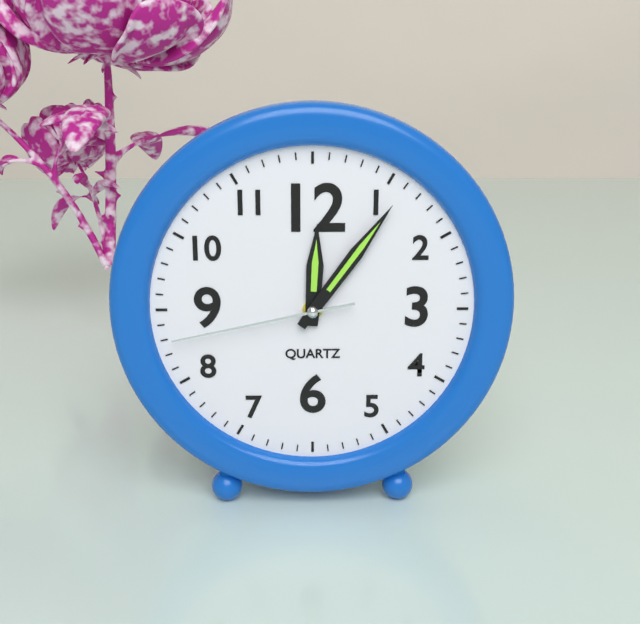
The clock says **12:06:43**
